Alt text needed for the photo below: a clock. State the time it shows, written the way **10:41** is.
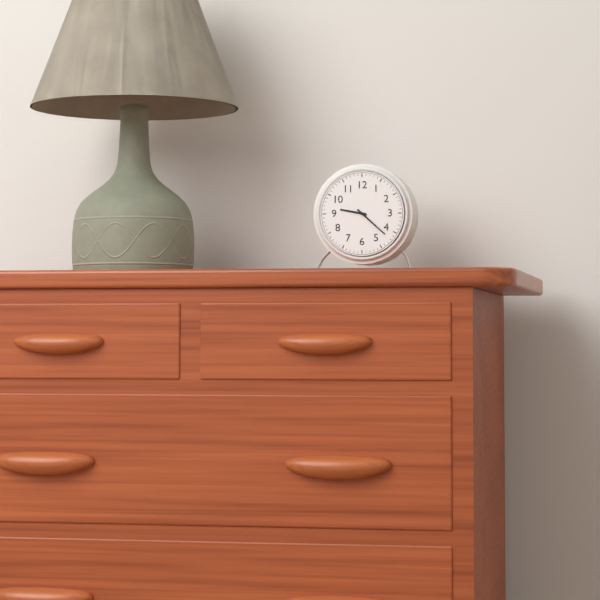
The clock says **9:22**
